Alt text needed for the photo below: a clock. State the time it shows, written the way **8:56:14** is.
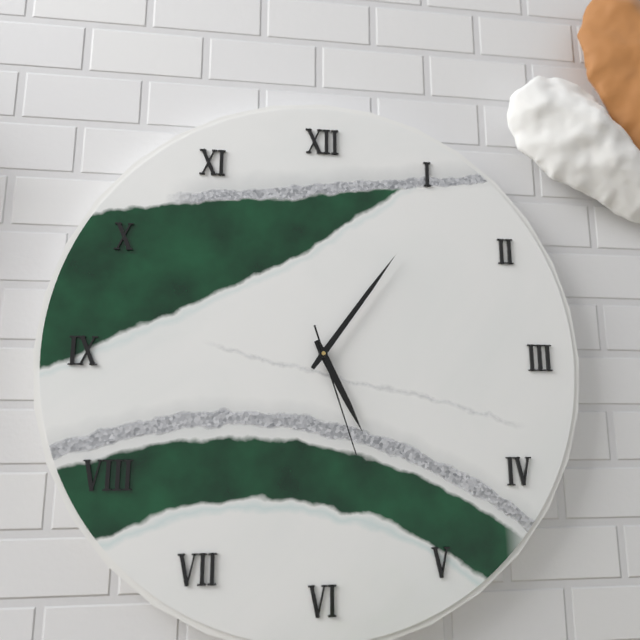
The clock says **5:06:27**
